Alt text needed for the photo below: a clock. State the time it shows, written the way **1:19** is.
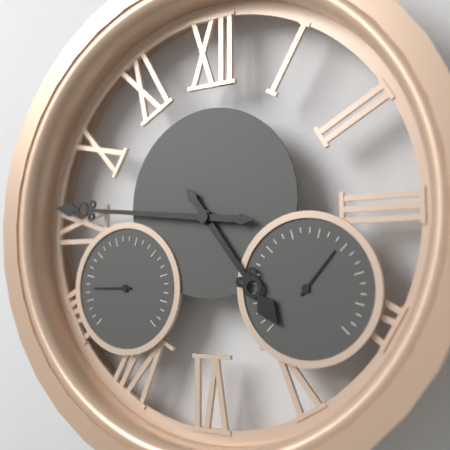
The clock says **4:46**
